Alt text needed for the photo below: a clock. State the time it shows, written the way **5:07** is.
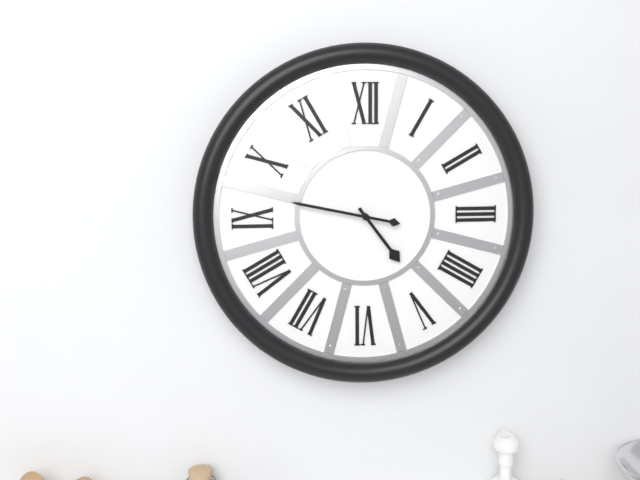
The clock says **4:47**
